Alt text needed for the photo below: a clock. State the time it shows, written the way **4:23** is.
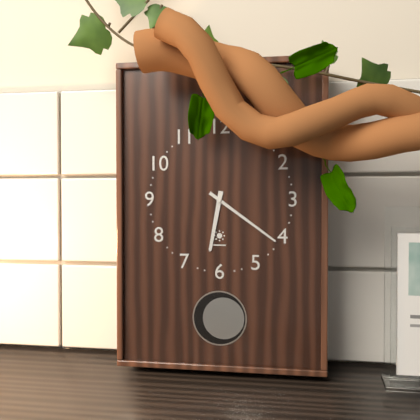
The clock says **6:21**
